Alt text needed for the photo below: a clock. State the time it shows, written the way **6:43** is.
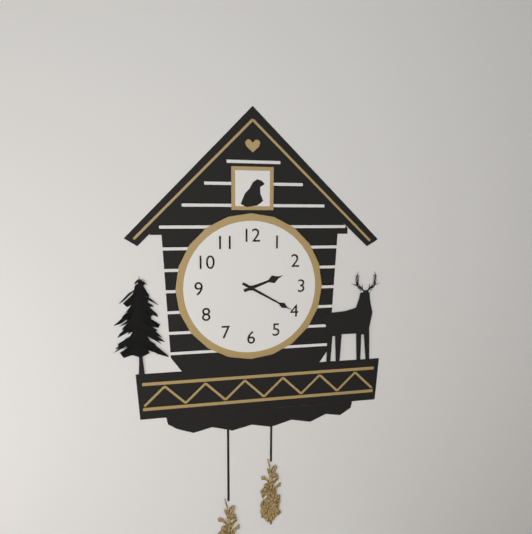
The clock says **2:20**
